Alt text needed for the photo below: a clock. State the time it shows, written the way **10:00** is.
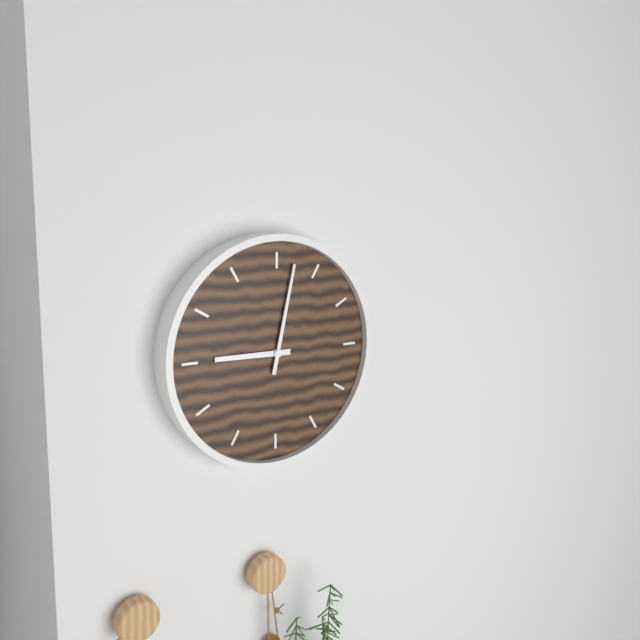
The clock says **9:02**
